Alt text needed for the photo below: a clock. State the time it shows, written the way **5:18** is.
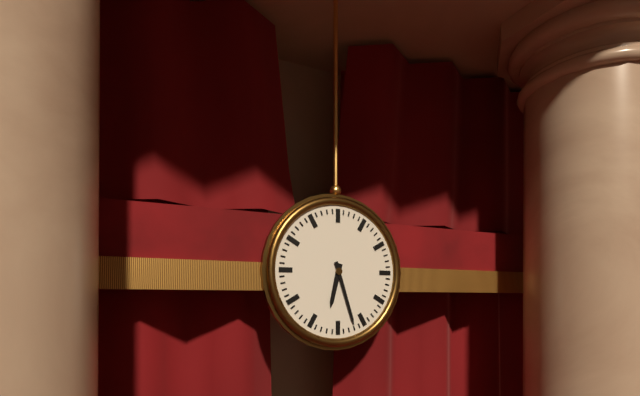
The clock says **6:27**
